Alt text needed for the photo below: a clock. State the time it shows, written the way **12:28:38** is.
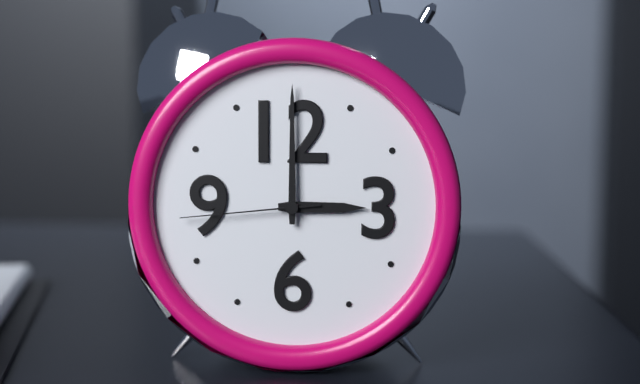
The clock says **3:00:44**
